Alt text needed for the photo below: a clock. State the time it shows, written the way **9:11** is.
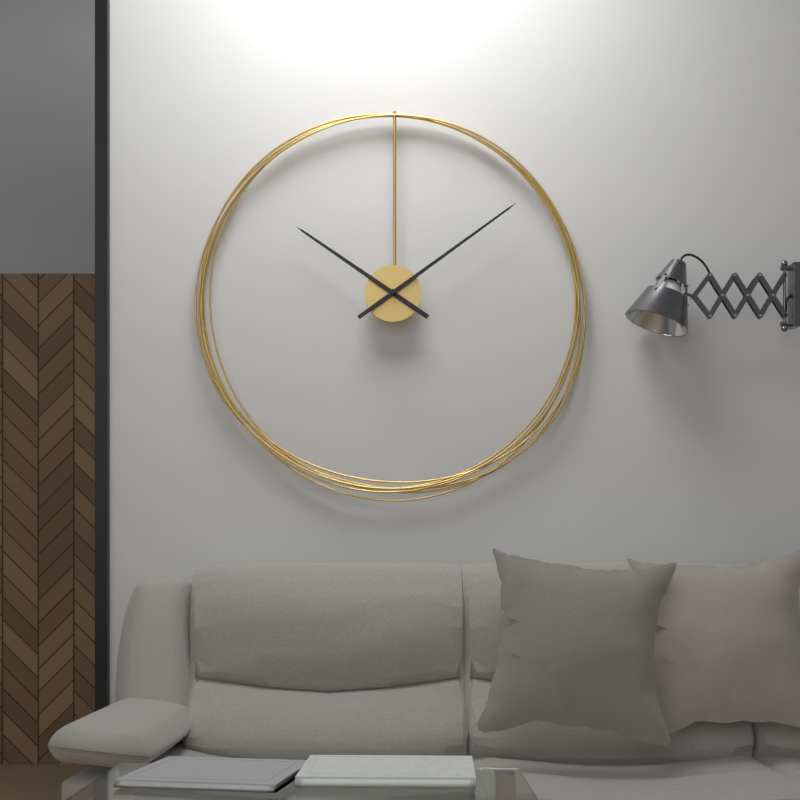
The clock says **10:09**
